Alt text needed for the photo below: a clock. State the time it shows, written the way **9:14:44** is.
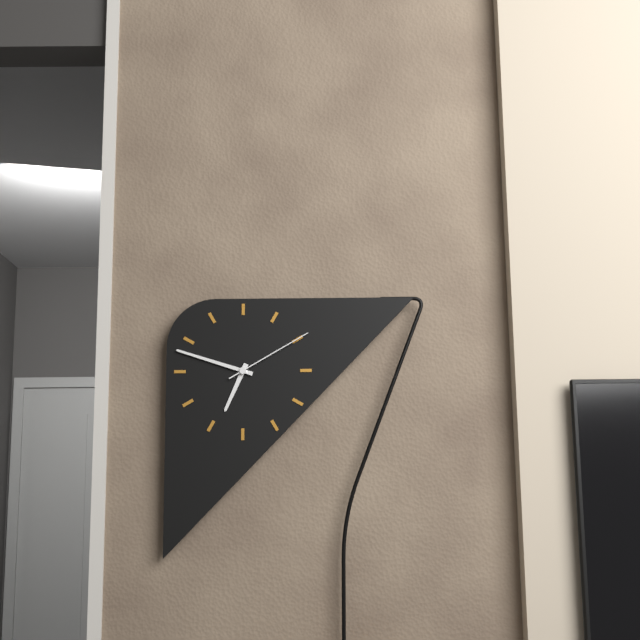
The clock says **6:48:10**
